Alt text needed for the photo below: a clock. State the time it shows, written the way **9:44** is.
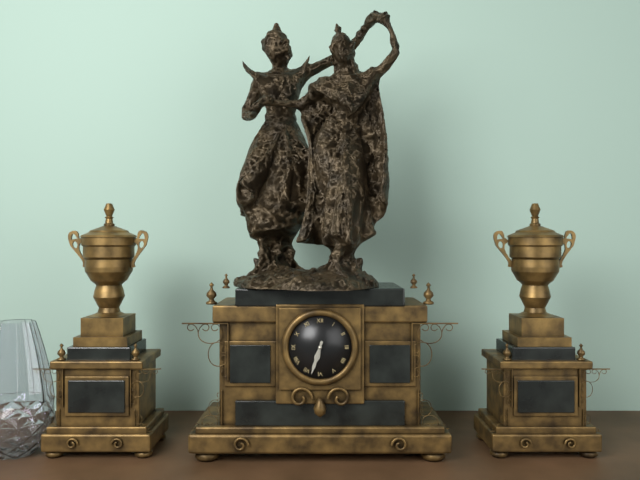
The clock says **6:33**
